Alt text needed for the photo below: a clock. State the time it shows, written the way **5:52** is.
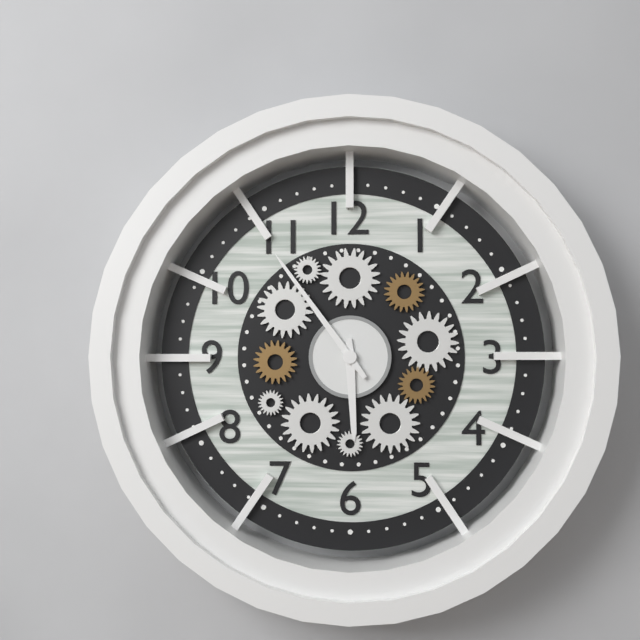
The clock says **5:54**
